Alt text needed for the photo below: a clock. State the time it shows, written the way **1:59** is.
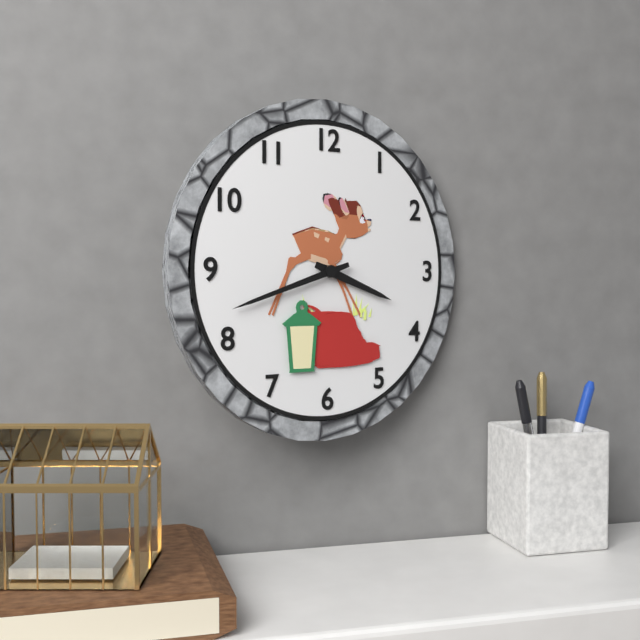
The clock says **3:42**
